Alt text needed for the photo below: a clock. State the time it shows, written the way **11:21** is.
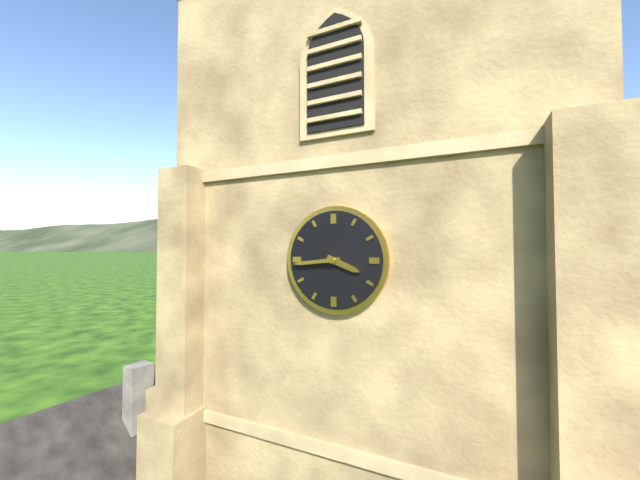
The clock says **3:44**
